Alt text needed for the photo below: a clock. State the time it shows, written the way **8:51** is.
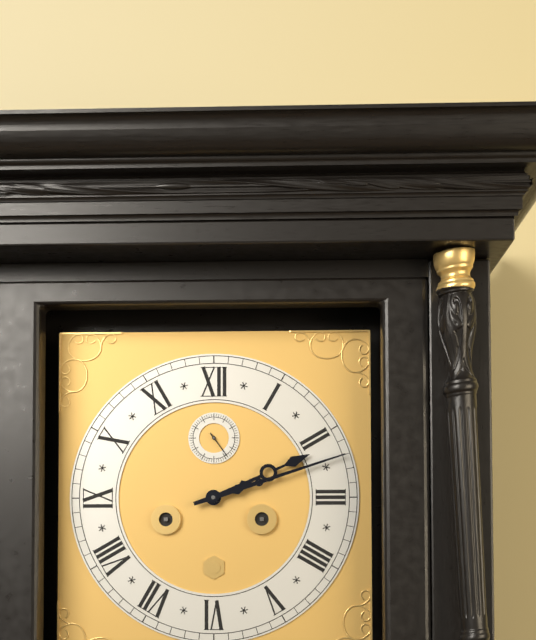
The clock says **2:12**
